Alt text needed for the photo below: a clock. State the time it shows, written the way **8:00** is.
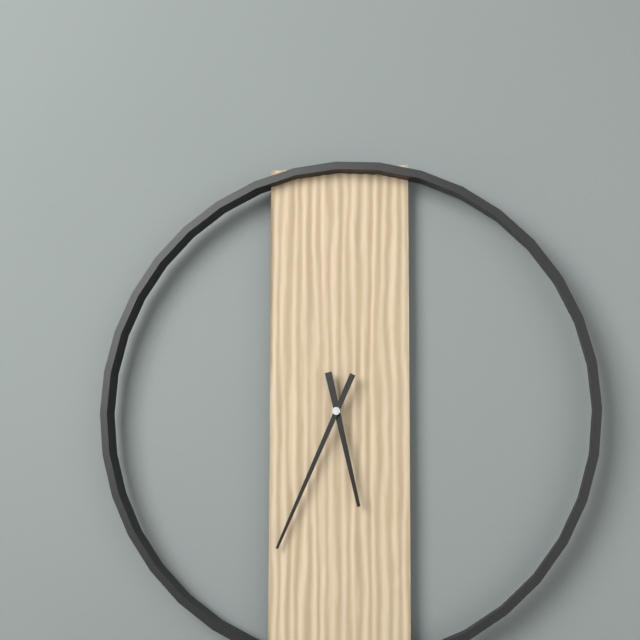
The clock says **5:34**
